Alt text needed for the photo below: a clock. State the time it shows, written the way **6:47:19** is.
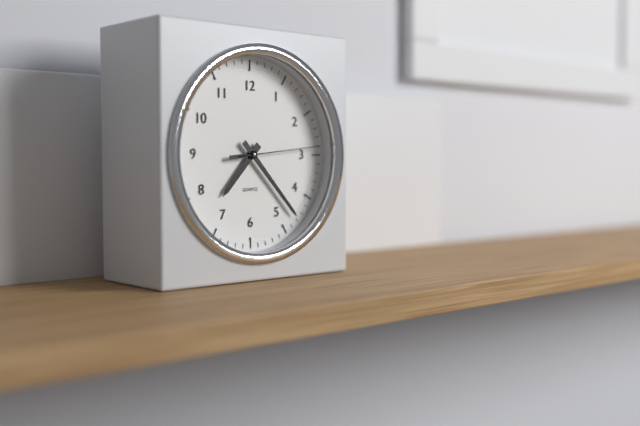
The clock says **7:23:14**
